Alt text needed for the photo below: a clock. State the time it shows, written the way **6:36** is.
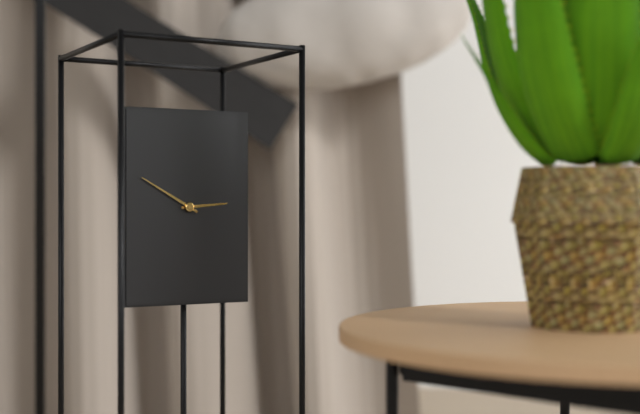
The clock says **2:50**
